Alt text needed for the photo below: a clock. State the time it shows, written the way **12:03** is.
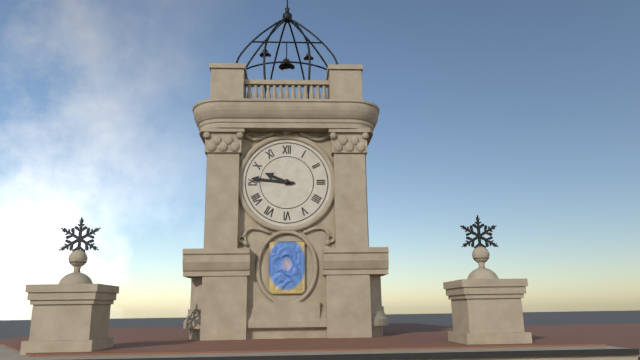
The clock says **9:46**
